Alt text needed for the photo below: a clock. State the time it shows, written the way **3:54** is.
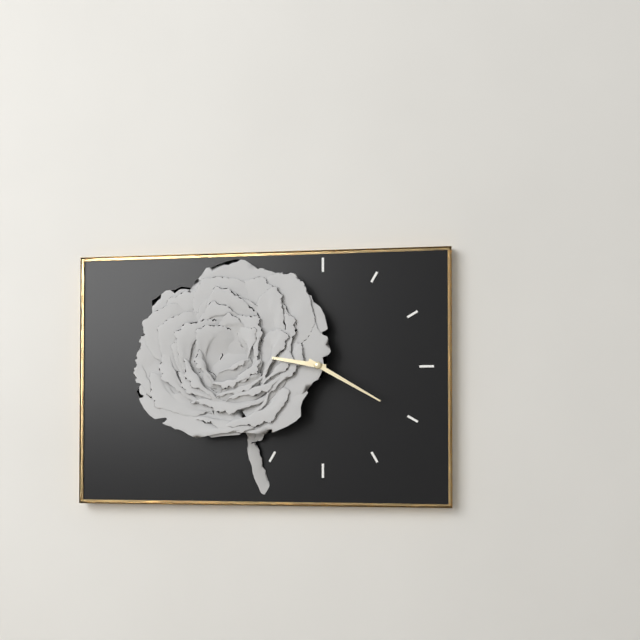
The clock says **9:20**
